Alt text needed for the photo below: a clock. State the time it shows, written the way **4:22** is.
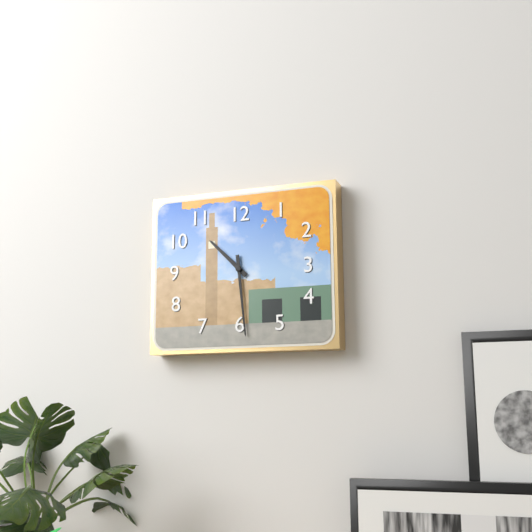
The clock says **10:29**
